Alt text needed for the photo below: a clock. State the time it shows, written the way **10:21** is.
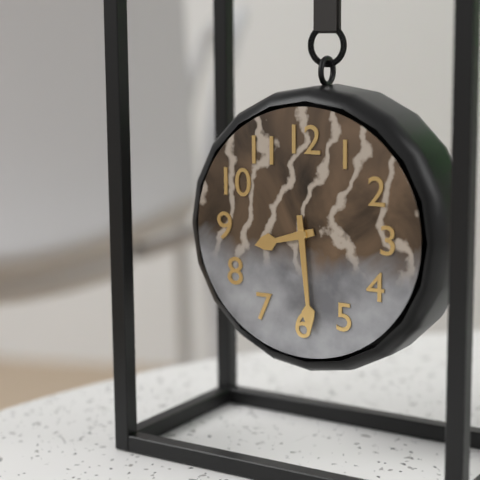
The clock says **8:29**
